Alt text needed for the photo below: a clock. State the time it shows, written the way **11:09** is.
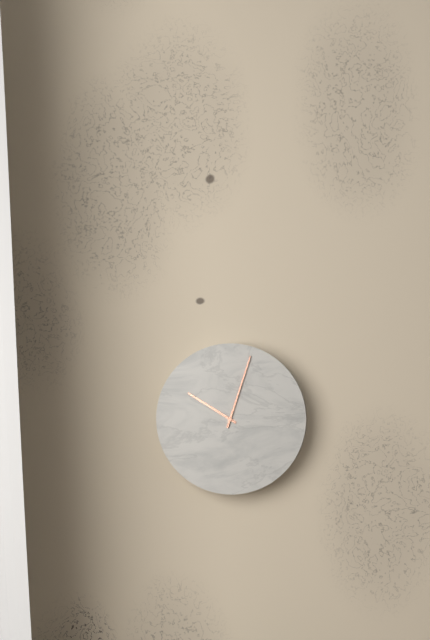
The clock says **10:03**
